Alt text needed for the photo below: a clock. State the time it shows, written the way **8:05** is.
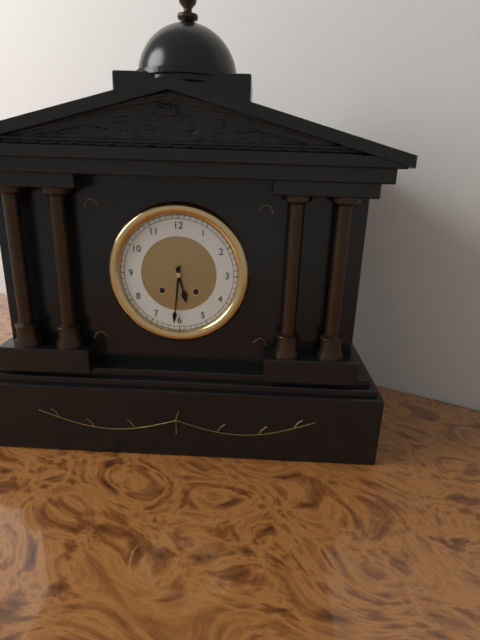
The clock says **5:31**
